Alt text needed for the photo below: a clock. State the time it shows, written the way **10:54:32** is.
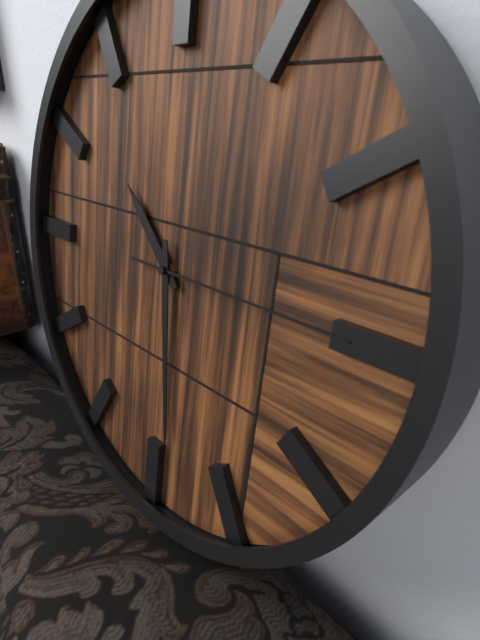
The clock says **10:29:15**
